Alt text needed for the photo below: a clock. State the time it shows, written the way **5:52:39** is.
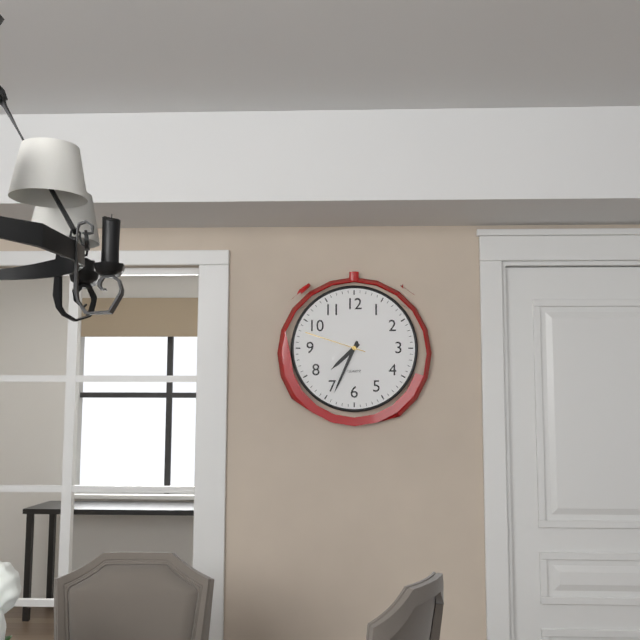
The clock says **7:34:48**
